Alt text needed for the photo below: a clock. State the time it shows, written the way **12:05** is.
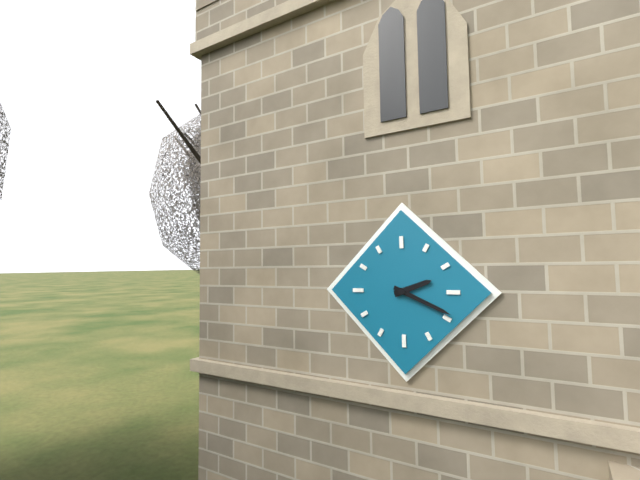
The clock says **2:19**
